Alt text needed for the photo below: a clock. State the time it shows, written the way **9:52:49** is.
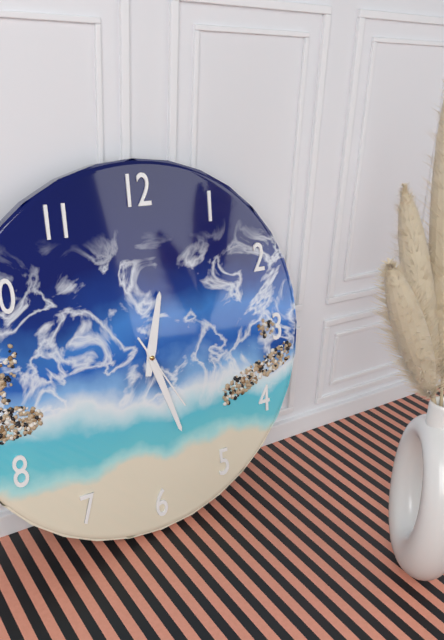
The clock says **12:27:25**
